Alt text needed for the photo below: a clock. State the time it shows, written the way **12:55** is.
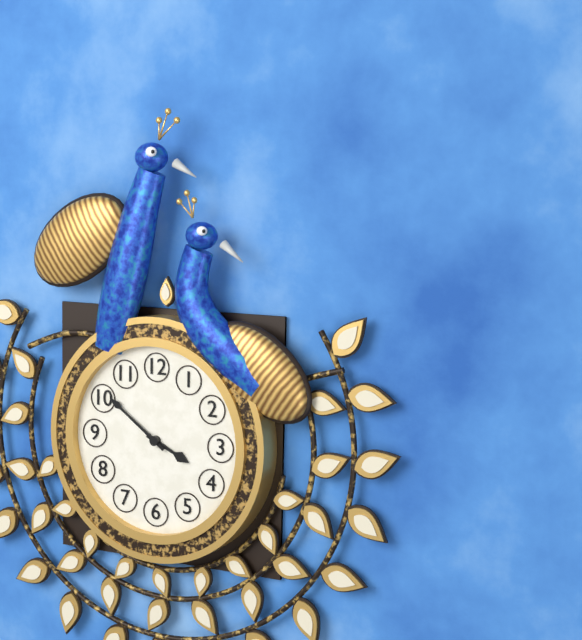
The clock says **3:51**
